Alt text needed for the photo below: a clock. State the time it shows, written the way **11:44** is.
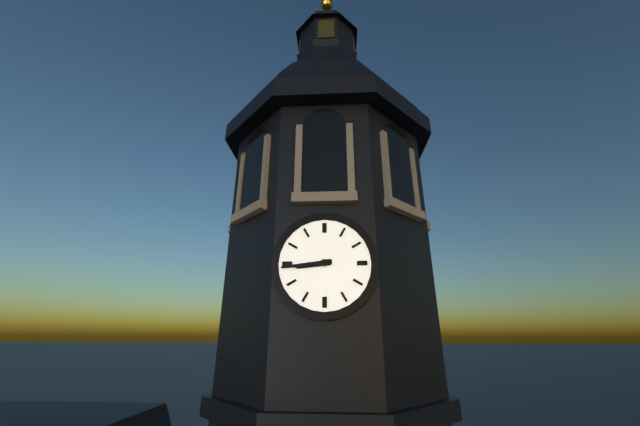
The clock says **8:44**
